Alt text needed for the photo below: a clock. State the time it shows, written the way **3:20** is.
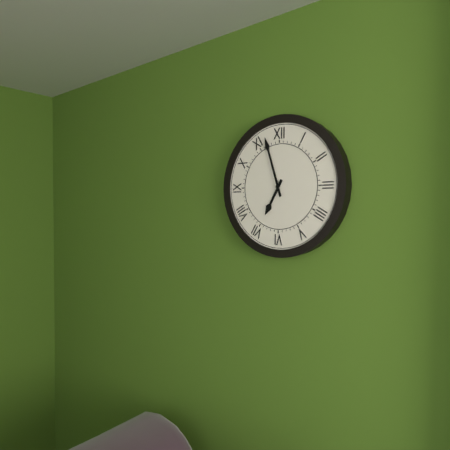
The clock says **6:57**
